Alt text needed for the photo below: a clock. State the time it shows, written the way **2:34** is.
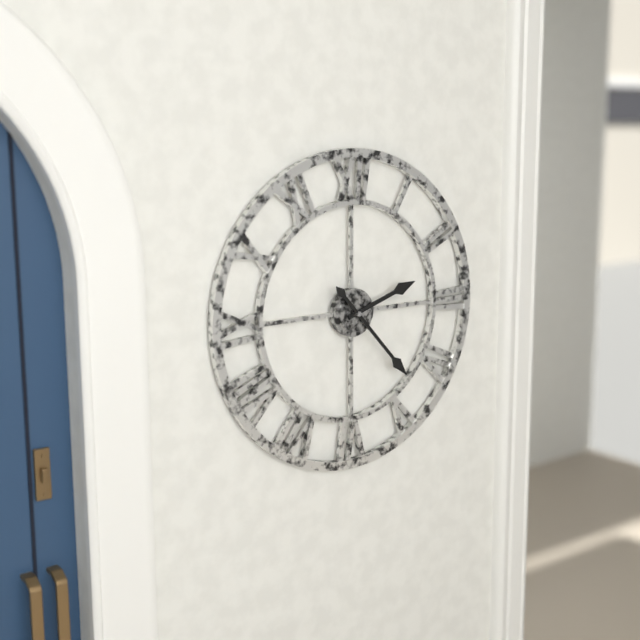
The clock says **2:23**
